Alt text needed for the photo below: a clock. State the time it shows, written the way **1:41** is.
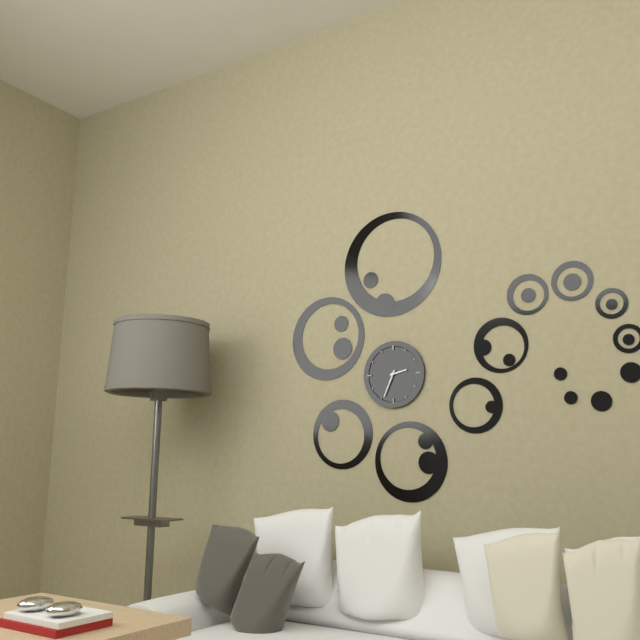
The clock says **2:34**
